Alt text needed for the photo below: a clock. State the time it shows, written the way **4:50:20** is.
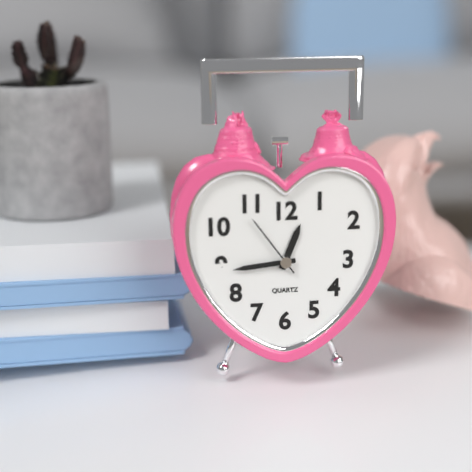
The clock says **12:44:54**
